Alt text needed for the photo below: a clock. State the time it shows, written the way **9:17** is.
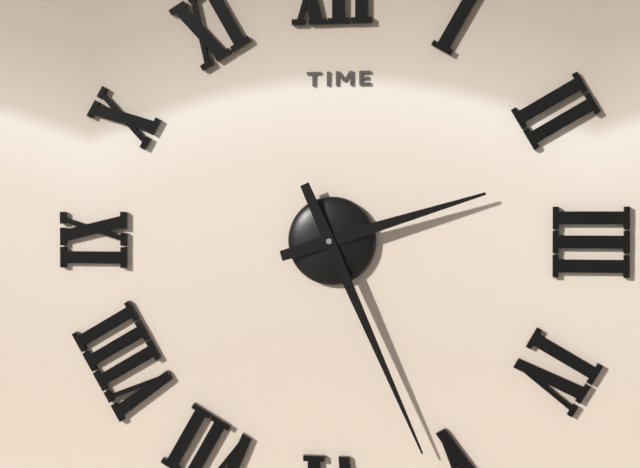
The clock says **2:26**
